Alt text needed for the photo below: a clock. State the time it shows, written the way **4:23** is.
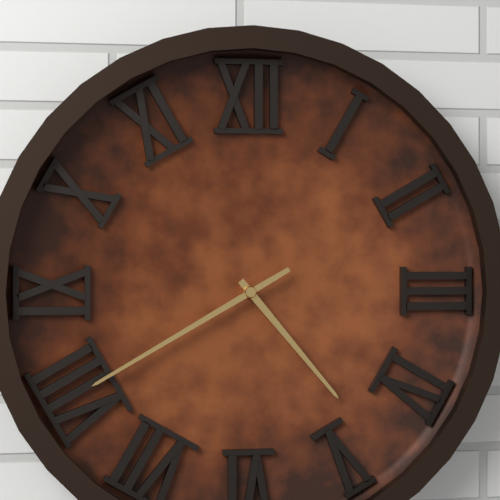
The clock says **4:40**
